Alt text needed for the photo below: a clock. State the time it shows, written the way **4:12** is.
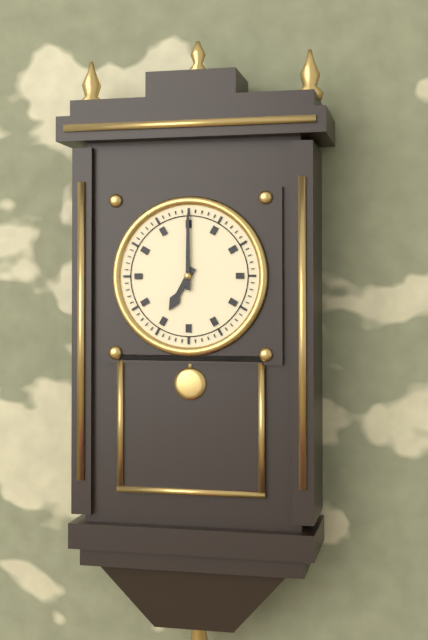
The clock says **7:00**
